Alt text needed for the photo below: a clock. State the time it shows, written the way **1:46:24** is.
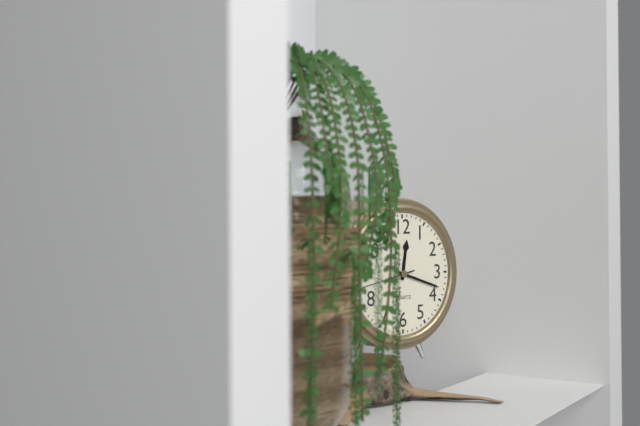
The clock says **12:18:43**
